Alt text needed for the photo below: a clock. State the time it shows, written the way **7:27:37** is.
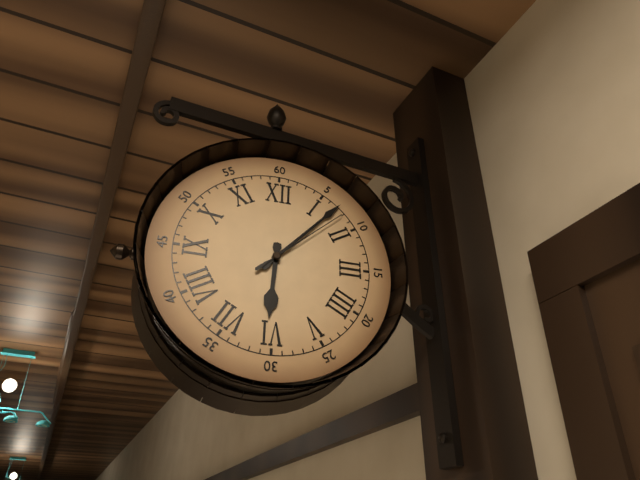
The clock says **6:07:08**
